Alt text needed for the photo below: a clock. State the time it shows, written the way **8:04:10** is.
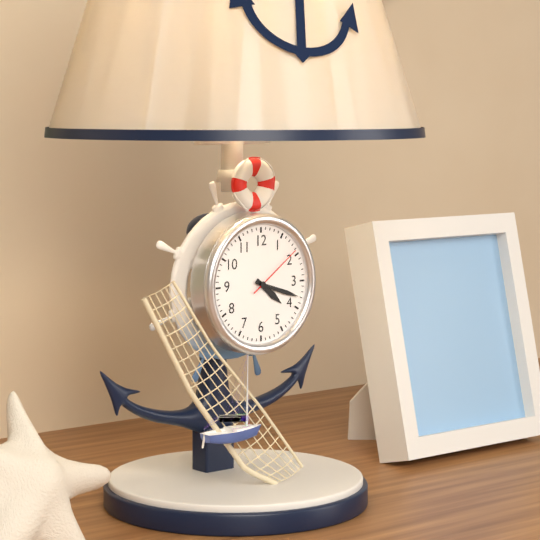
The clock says **4:18:09**
